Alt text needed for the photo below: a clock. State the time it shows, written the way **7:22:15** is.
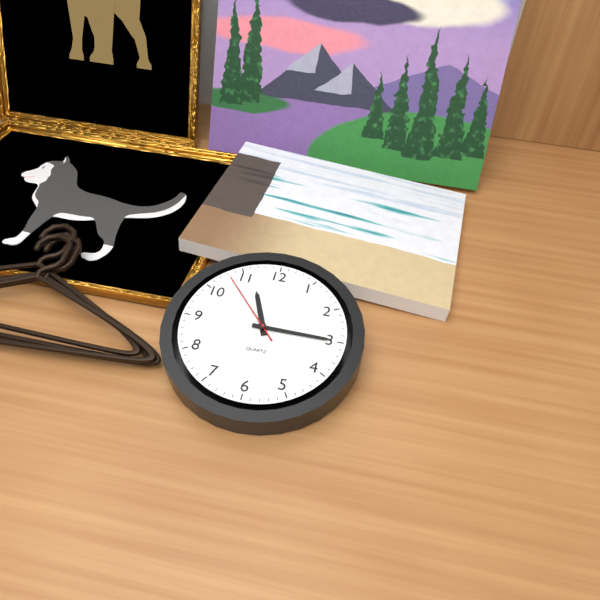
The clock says **11:15:53**
